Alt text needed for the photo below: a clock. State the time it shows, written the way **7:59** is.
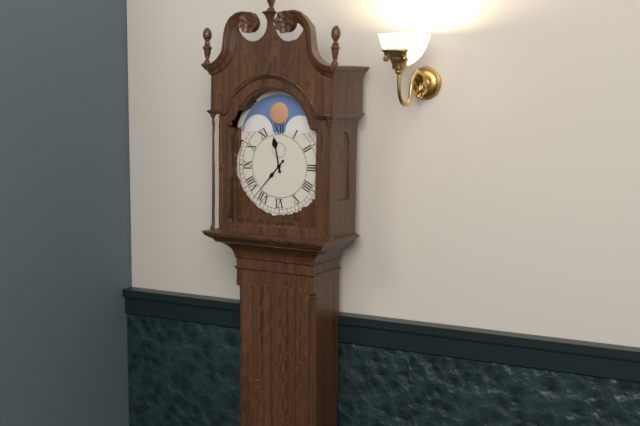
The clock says **11:37**
